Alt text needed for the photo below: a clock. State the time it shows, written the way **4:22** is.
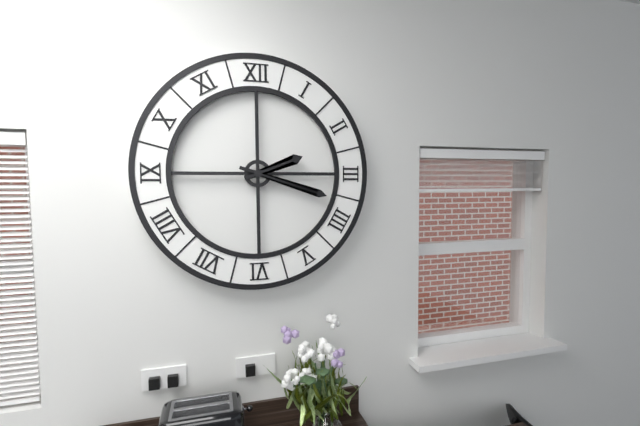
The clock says **2:18**
